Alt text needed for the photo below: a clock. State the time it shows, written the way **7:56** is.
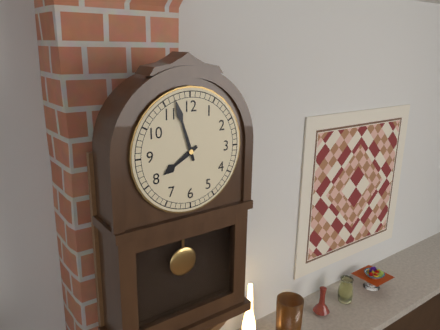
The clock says **7:57**
